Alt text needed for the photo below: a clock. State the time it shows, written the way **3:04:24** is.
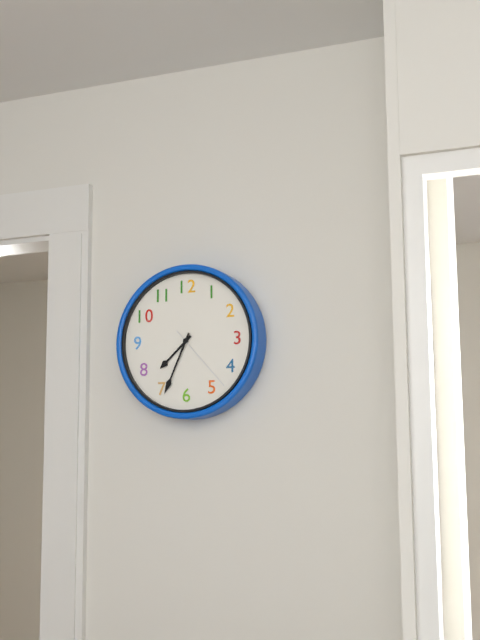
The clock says **7:34:23**
